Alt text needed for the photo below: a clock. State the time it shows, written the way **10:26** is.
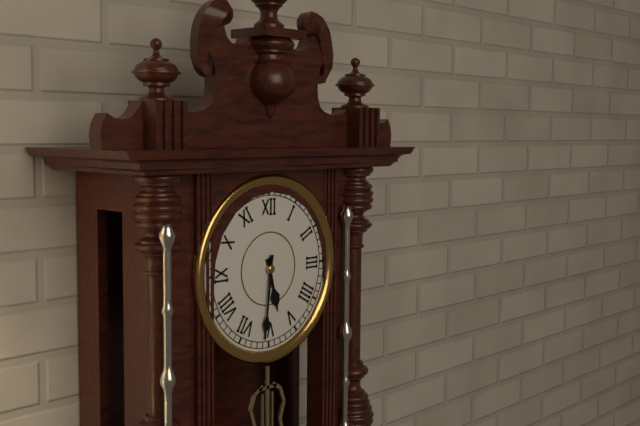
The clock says **5:31**
